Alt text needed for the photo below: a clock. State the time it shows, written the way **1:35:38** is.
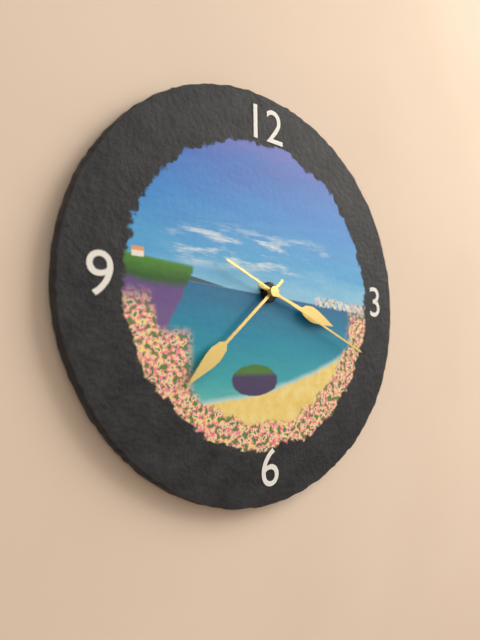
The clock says **3:38:19**
